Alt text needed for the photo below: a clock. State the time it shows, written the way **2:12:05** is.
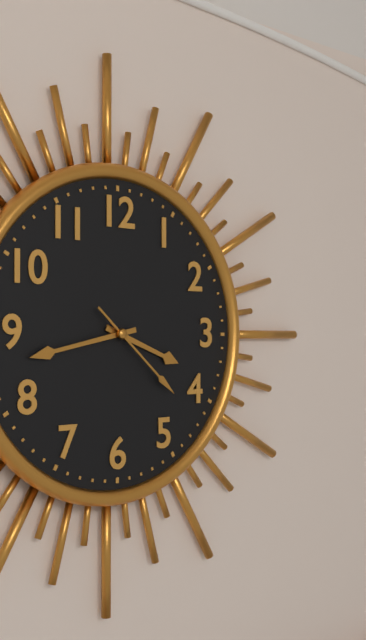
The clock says **3:43:22**
